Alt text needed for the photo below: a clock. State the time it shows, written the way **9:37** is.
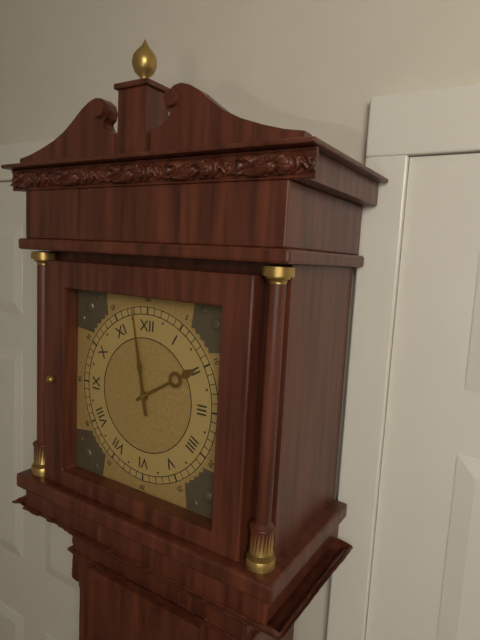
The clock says **1:58**
